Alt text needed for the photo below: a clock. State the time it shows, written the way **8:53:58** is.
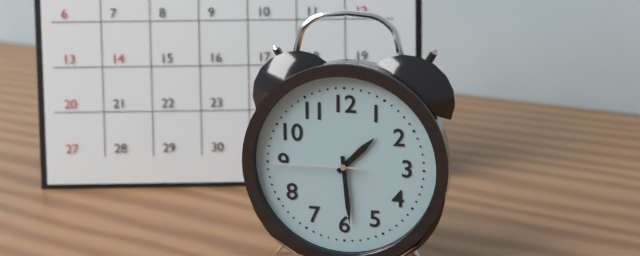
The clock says **1:29:45**
